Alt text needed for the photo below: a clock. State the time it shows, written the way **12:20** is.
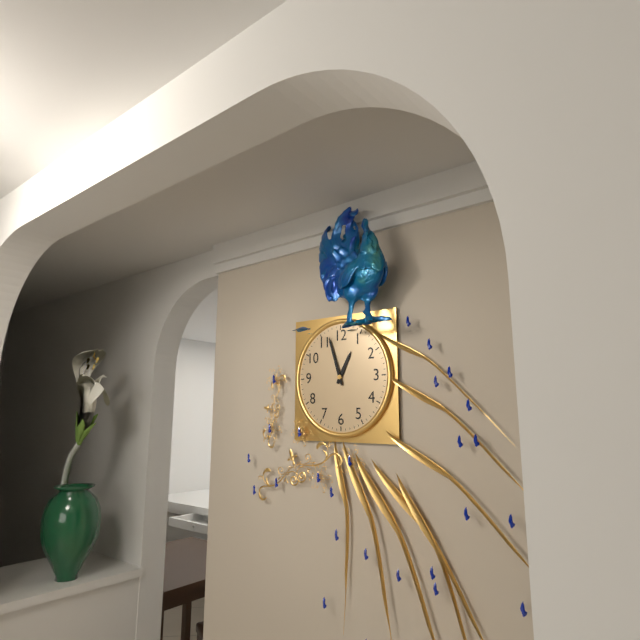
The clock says **12:57**
